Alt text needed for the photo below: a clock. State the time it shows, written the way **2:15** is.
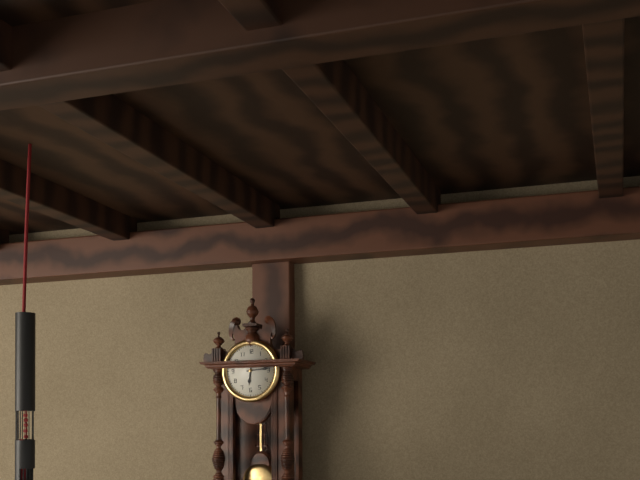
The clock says **6:14**
